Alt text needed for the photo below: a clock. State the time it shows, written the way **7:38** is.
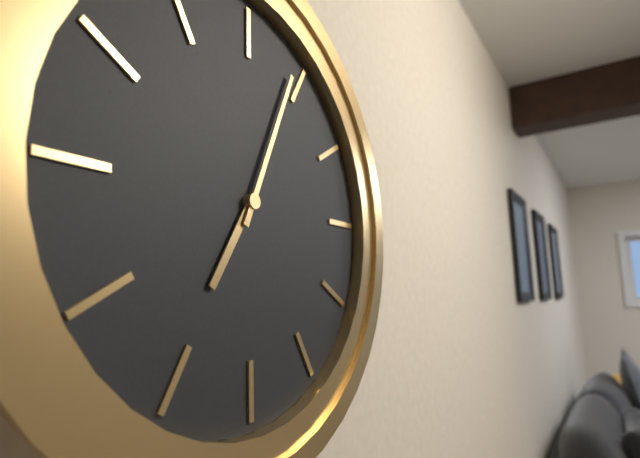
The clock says **7:04**
